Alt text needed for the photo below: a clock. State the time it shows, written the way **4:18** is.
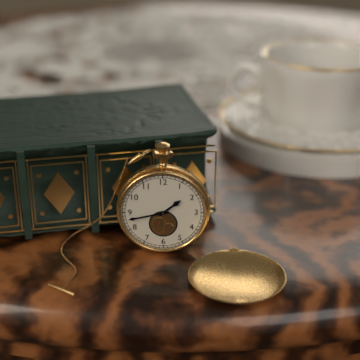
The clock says **1:43**
